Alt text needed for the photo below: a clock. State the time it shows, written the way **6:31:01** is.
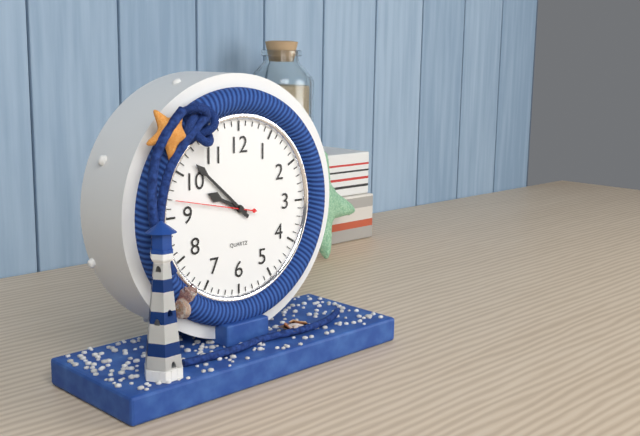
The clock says **9:52:47**
